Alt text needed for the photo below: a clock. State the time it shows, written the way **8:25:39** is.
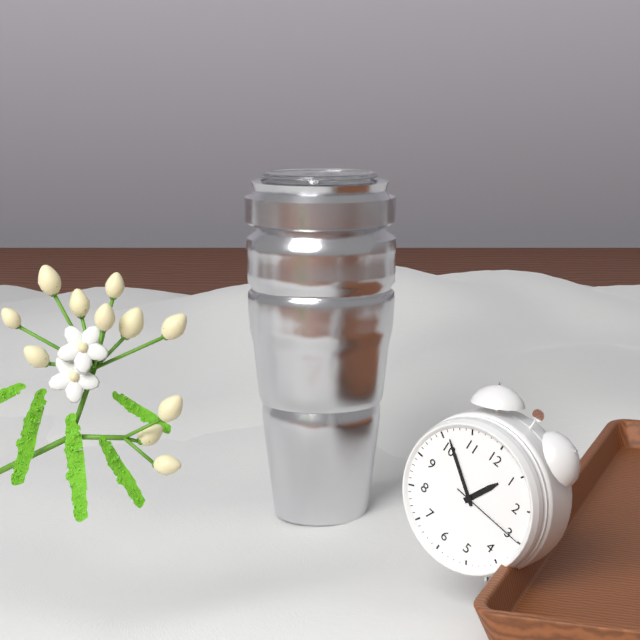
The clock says **12:51:15**
